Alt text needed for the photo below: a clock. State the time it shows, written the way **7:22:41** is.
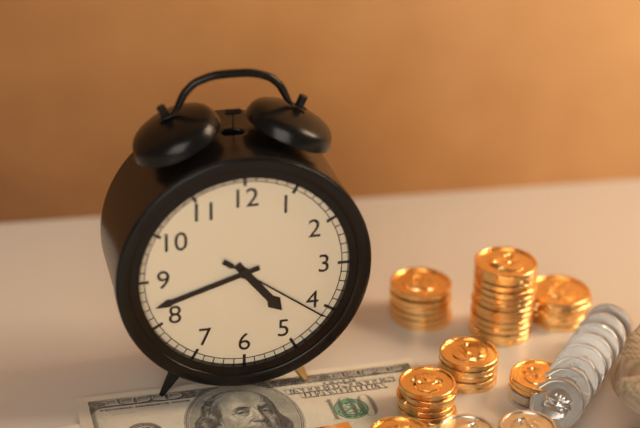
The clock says **4:42:21**
